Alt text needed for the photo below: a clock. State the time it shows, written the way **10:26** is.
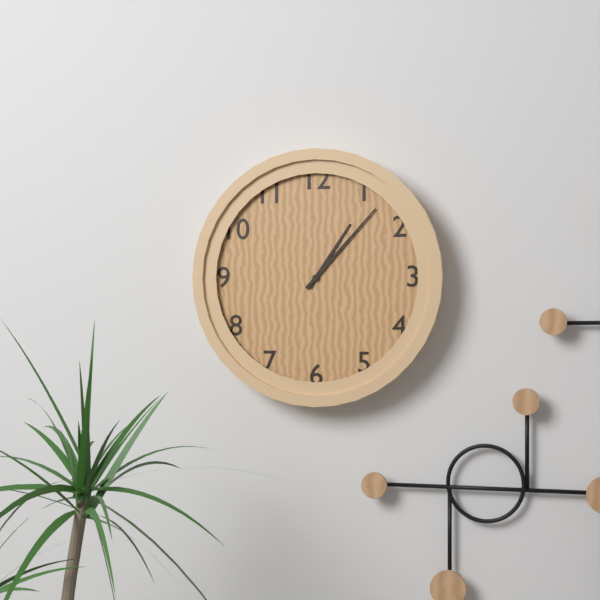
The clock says **1:07**
